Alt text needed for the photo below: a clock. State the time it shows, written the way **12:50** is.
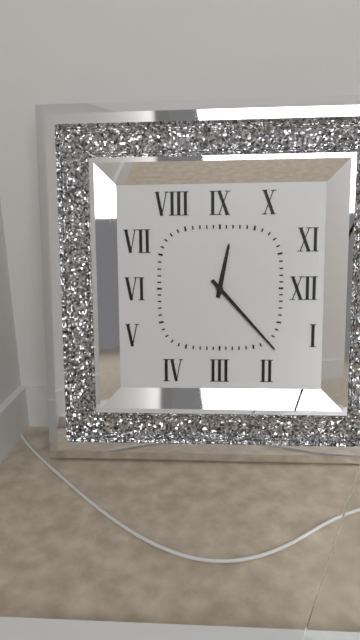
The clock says **12:23**
